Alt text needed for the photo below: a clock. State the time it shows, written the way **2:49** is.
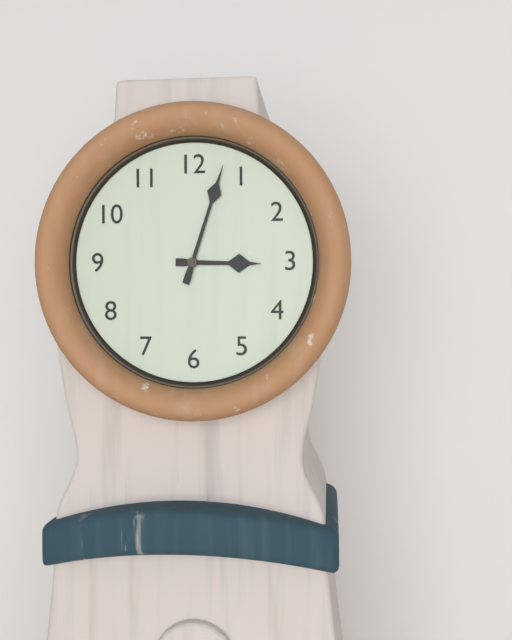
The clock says **3:03**
